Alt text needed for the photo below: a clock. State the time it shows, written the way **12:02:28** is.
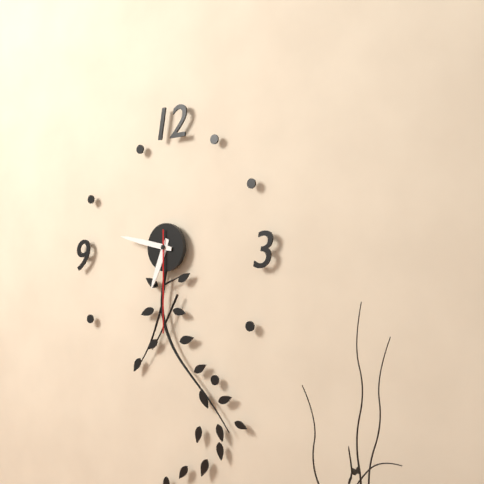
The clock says **6:47:30**
